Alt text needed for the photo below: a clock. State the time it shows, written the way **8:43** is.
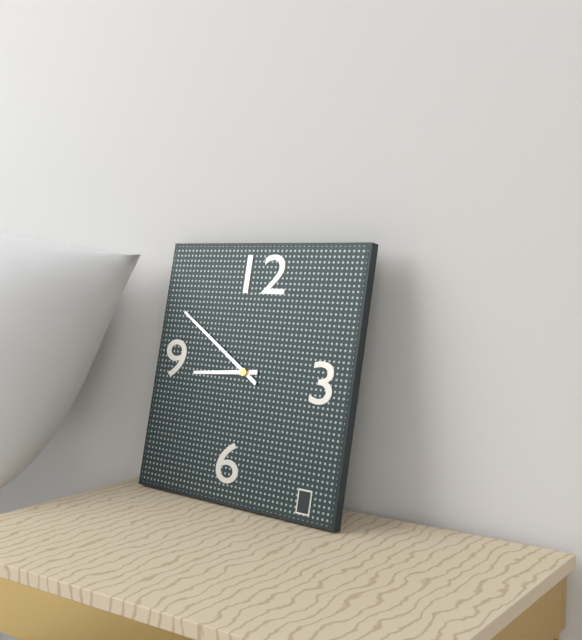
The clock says **8:50**
